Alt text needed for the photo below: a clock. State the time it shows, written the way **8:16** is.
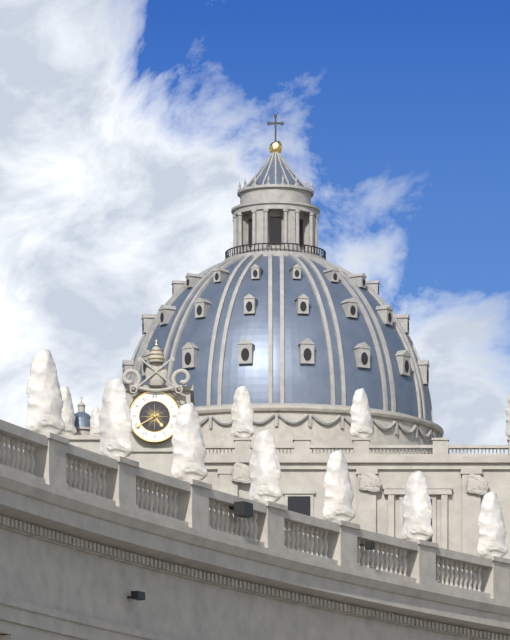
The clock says **4:40**
